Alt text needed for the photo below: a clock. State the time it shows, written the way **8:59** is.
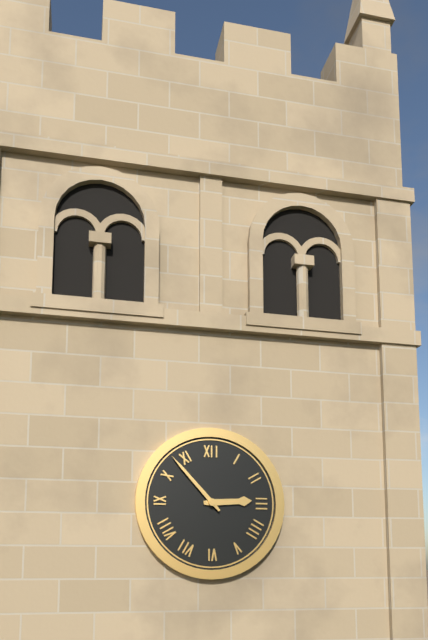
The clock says **2:53**
